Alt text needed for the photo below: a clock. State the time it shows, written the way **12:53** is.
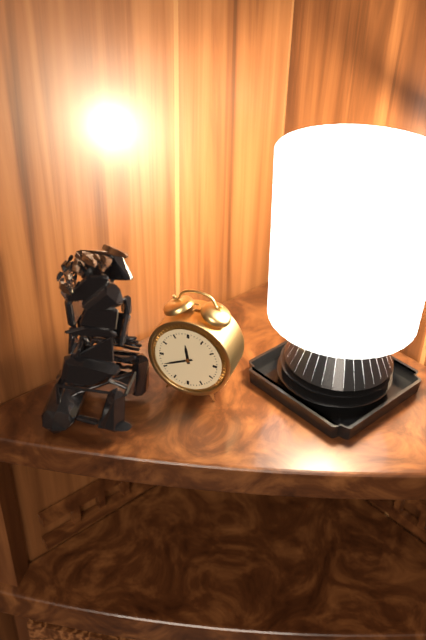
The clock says **11:41**
